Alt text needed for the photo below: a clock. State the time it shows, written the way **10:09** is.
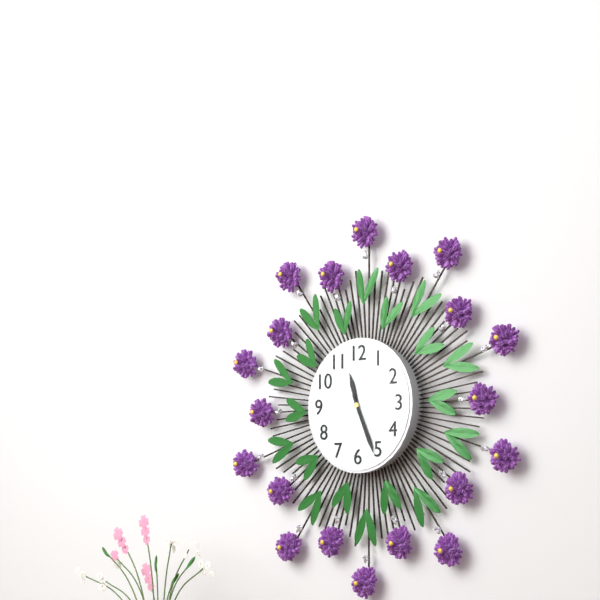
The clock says **11:26**
